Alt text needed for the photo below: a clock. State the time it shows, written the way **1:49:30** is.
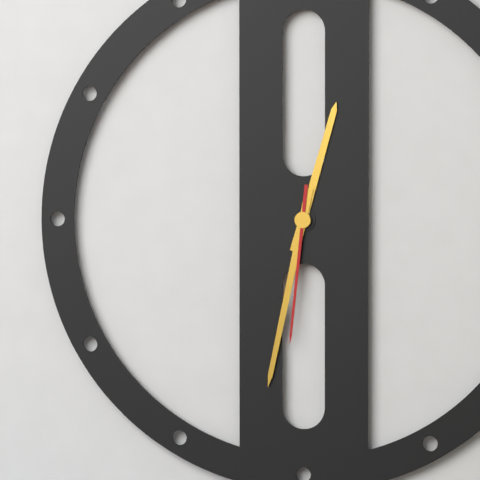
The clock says **12:32:31**
